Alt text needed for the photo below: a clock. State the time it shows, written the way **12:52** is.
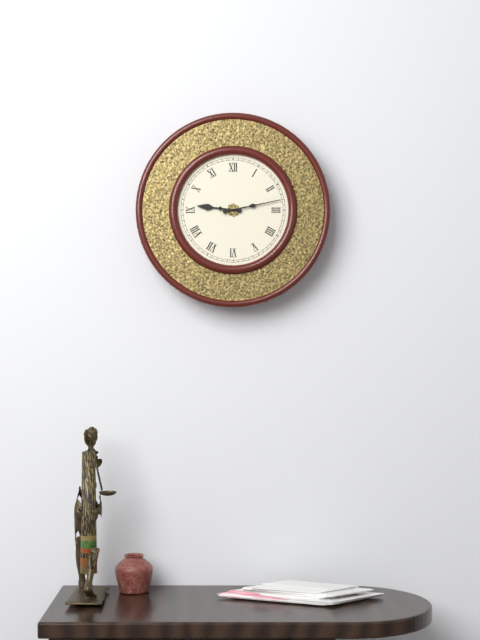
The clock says **9:13**
